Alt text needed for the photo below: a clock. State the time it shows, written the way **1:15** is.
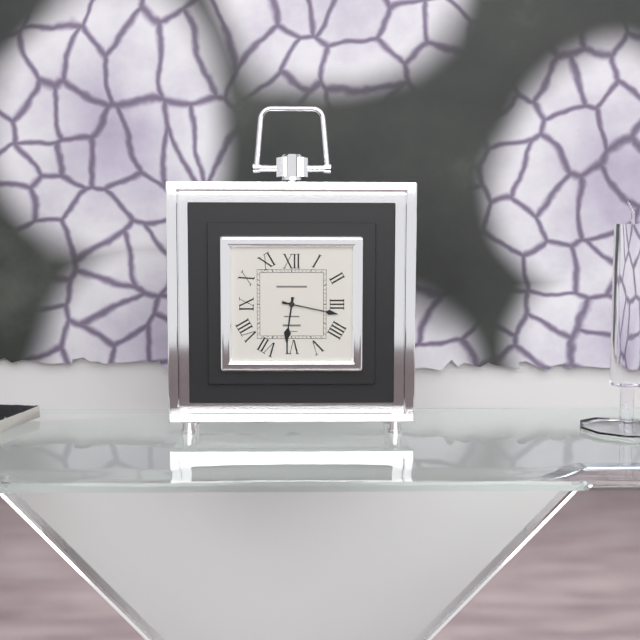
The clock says **6:17**
